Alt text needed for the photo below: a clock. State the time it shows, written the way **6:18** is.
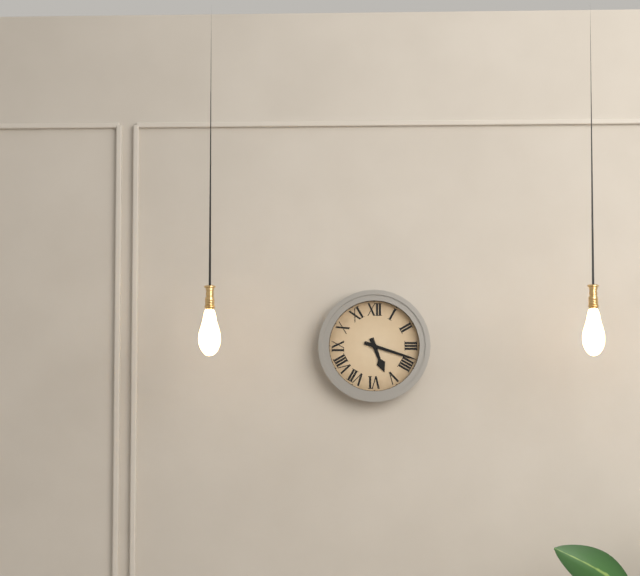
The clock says **5:18**
